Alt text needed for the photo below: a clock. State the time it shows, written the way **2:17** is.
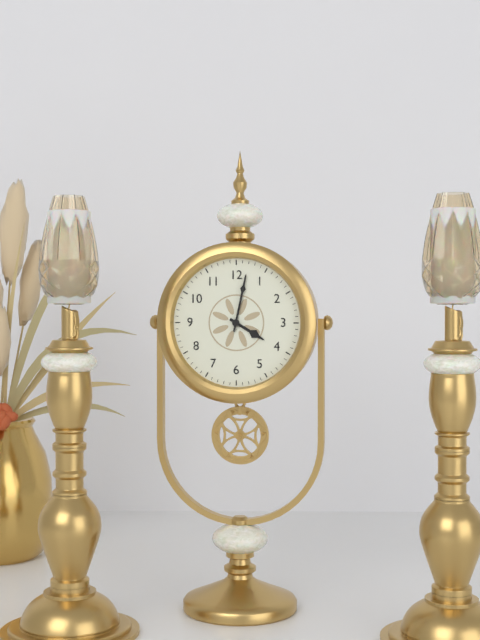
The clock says **4:02**
